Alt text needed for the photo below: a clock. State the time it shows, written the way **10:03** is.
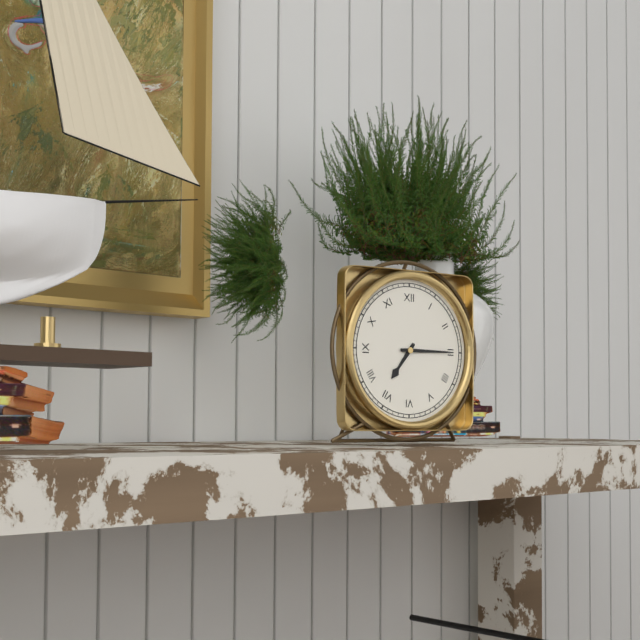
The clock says **7:15**
